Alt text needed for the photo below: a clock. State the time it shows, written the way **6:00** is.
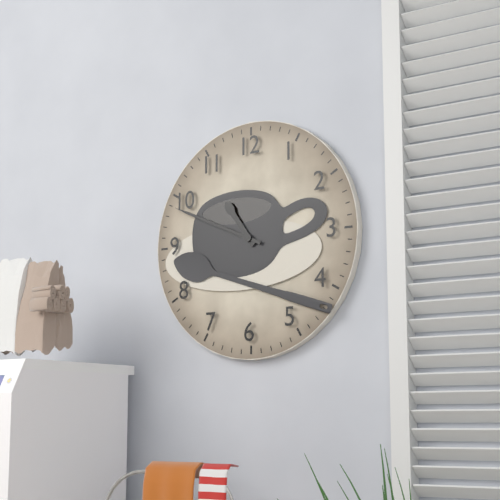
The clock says **10:49**
